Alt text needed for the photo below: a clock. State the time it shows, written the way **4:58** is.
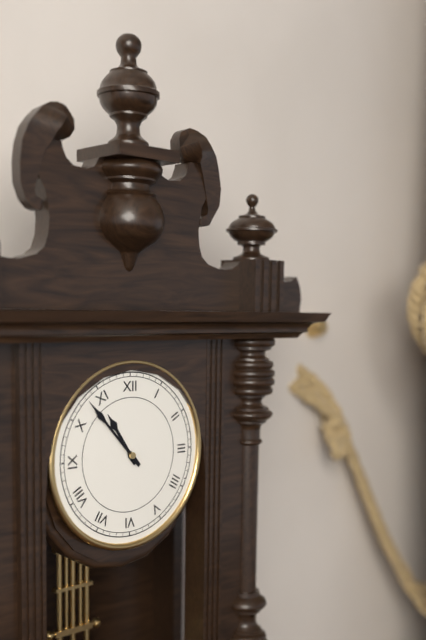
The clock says **10:53**
